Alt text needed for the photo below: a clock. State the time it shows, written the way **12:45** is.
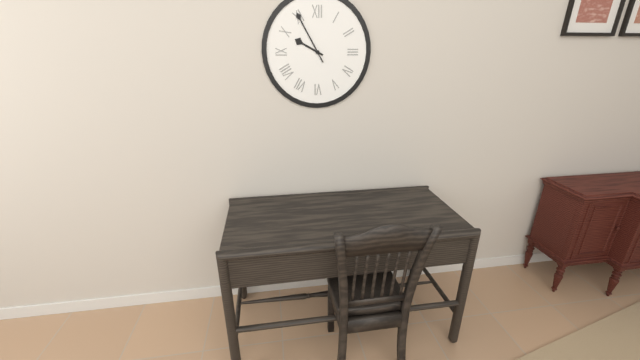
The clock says **9:55**
